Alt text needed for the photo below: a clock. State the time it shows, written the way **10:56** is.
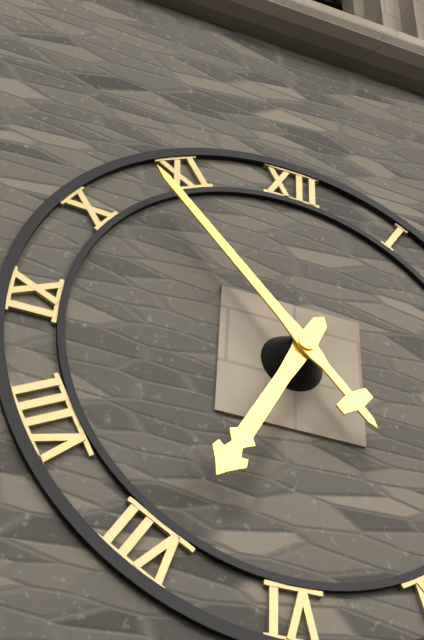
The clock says **6:53**
